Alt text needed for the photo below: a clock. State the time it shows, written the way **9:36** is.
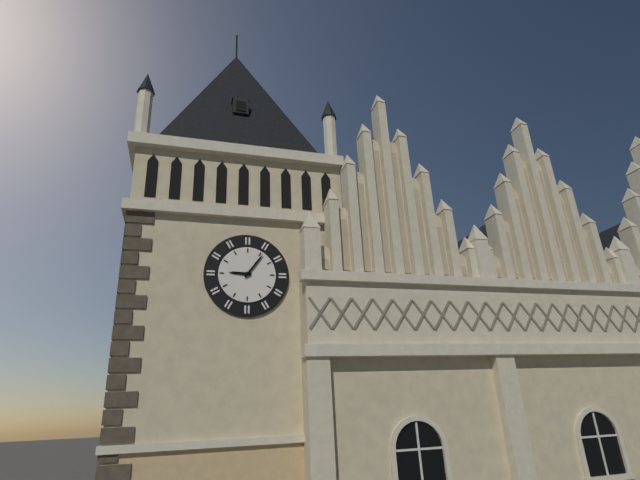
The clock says **9:06**
